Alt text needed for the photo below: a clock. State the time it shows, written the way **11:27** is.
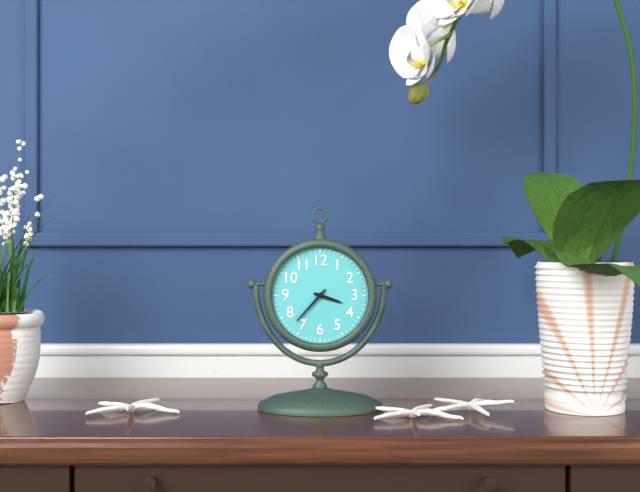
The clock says **3:37**
